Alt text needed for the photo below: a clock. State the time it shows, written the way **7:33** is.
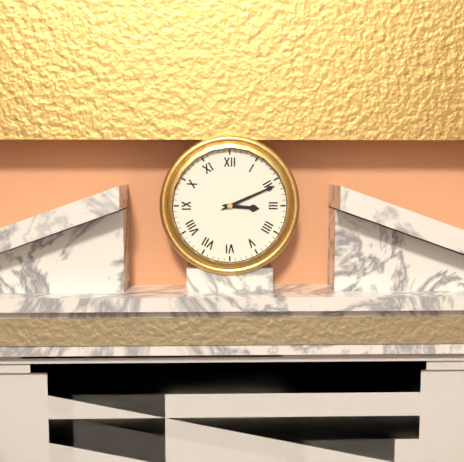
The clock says **3:11**
